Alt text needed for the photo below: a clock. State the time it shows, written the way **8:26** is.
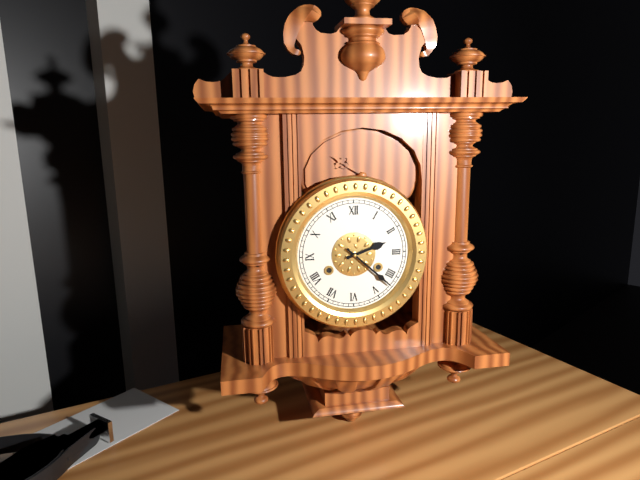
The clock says **2:22**
